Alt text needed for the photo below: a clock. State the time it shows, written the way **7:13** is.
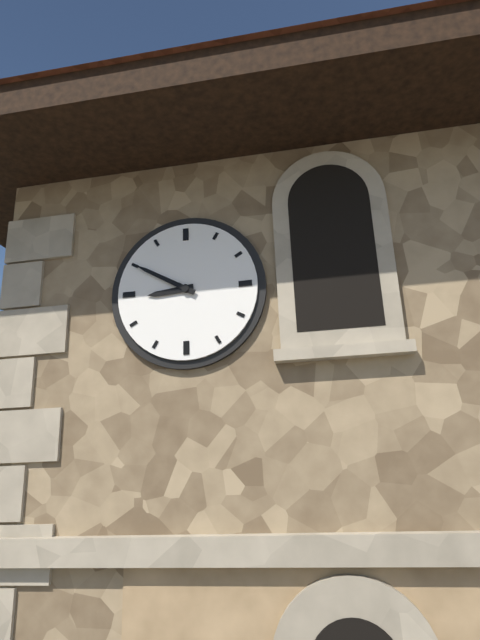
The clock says **8:50**
